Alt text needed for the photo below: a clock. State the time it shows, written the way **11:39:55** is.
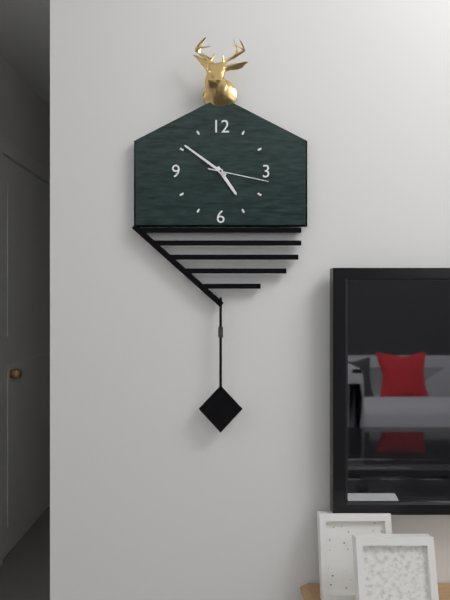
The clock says **4:51:17**
